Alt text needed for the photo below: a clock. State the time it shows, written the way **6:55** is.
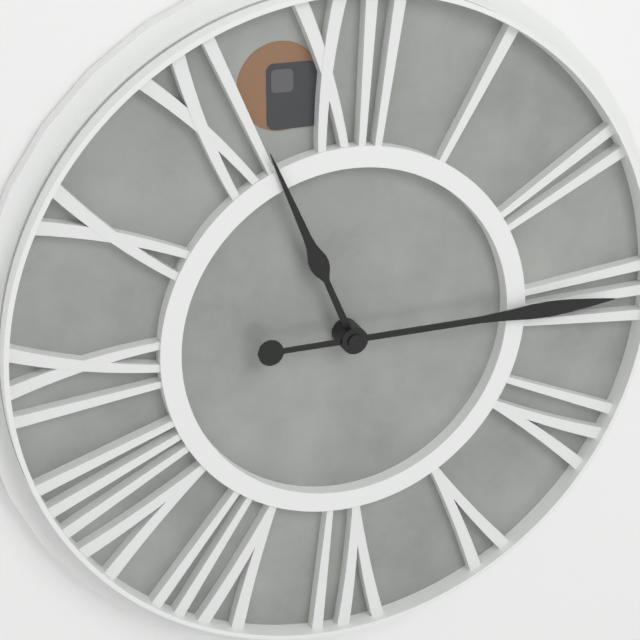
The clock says **11:15**
